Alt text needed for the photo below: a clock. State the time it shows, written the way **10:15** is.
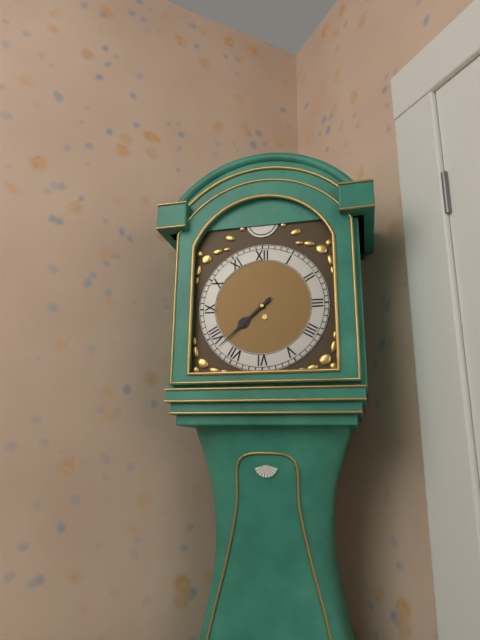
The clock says **7:38**
